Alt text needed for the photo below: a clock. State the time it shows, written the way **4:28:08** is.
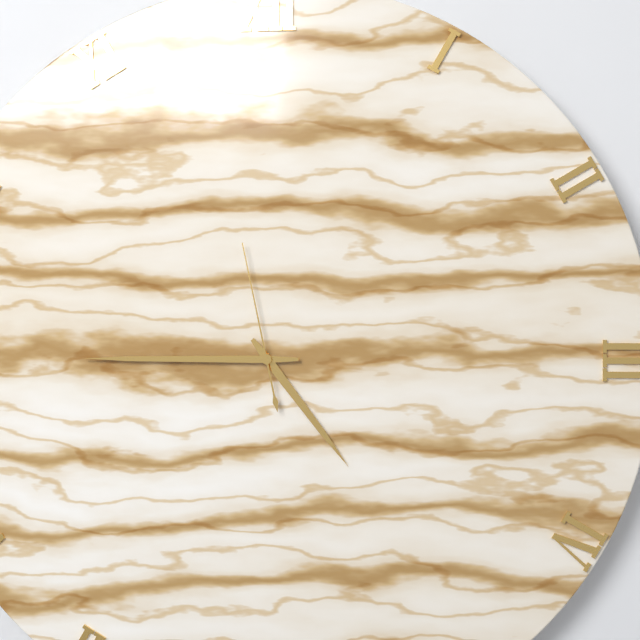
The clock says **4:45:58**
